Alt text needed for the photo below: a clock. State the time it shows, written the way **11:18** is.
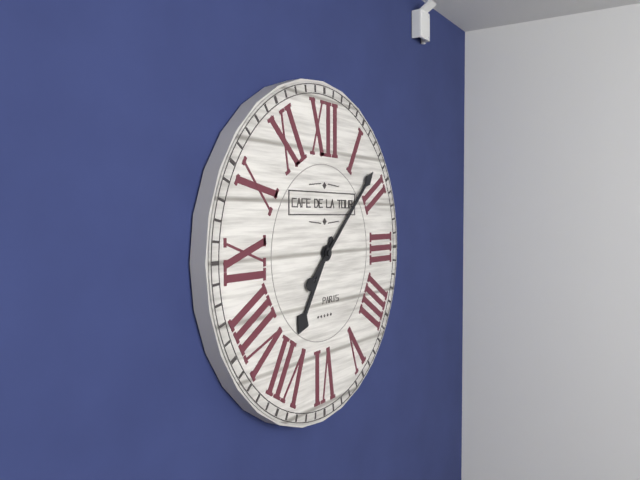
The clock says **7:08**
